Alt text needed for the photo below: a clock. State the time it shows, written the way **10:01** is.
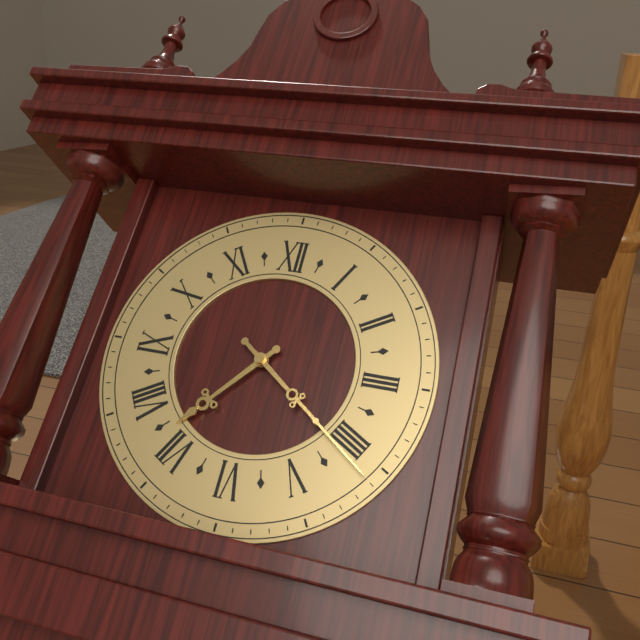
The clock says **7:21**
